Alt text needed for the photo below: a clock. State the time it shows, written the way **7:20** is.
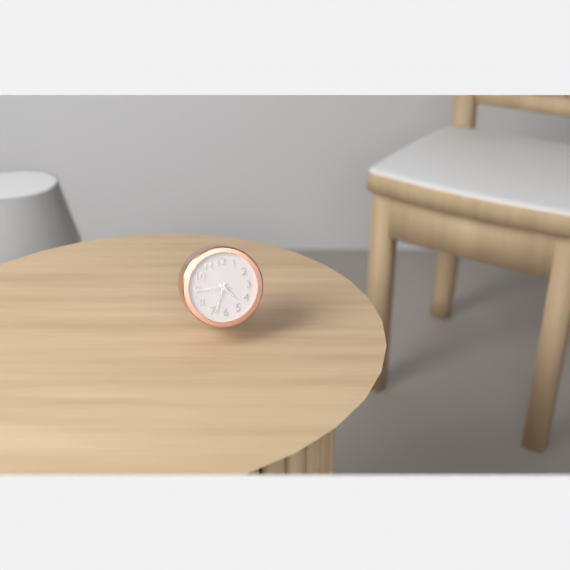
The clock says **4:34**
